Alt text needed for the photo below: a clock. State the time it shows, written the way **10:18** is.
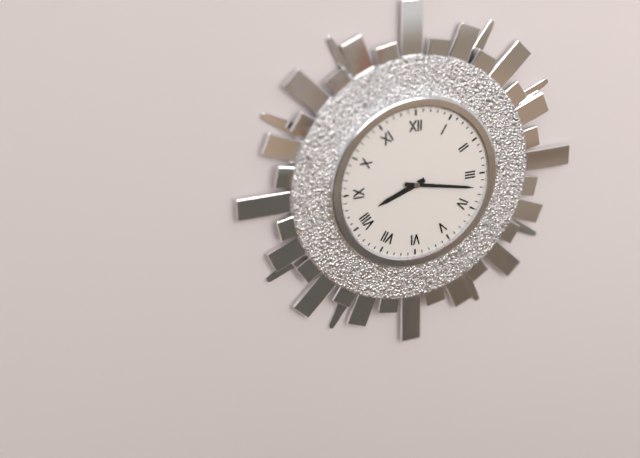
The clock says **8:17**
